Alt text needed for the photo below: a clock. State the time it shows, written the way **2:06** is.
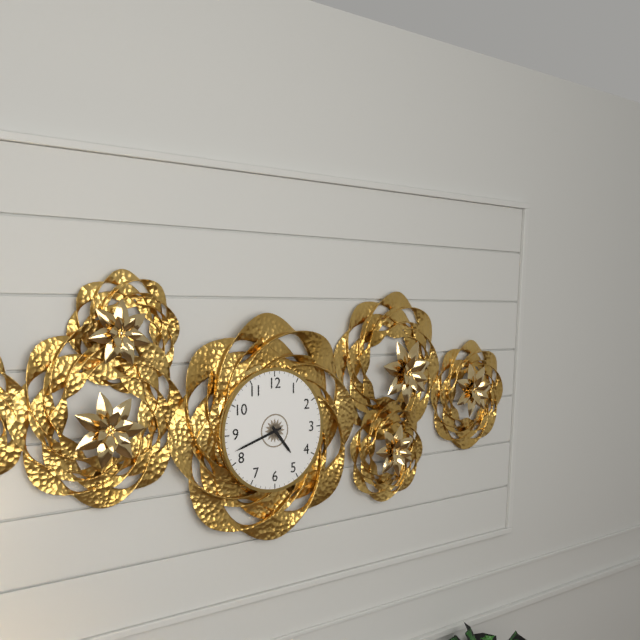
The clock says **4:42**
